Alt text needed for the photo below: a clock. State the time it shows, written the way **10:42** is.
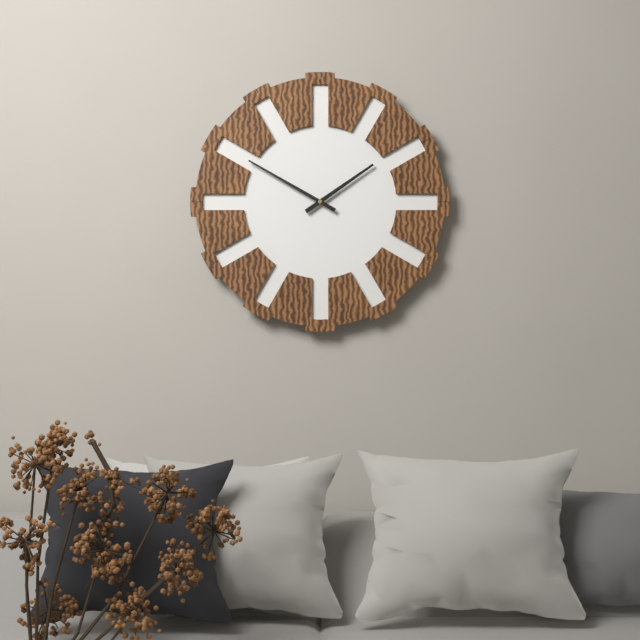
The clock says **1:50**
